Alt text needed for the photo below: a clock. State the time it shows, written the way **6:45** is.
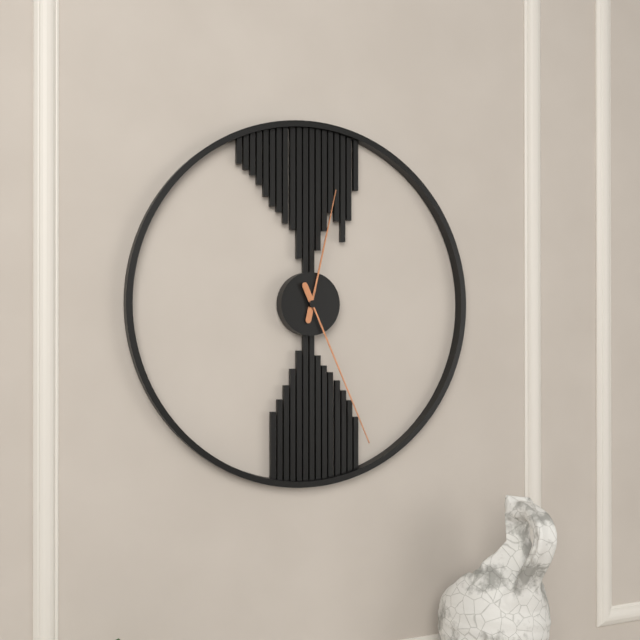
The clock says **12:26**
